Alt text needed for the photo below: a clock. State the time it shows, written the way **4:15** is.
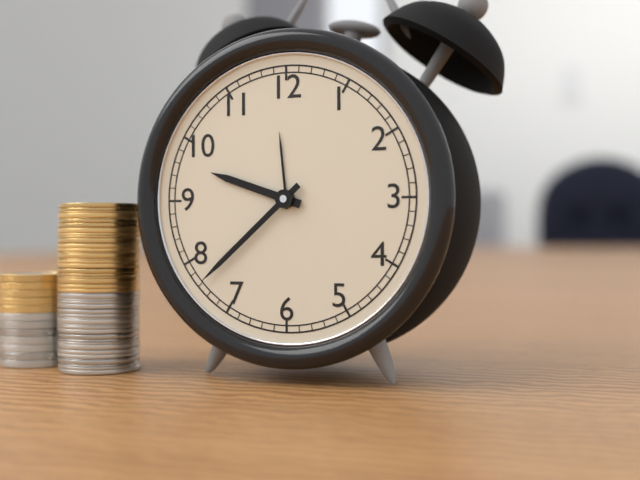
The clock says **9:38**
